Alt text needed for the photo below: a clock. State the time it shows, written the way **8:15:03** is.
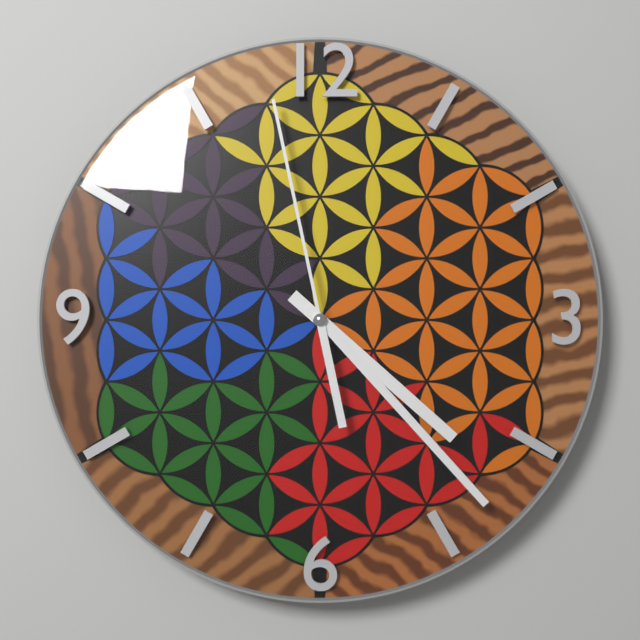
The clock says **4:23:58**
